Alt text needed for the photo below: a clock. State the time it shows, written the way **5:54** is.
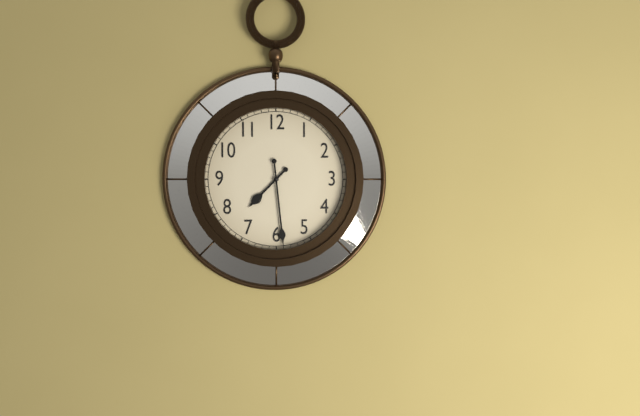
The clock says **7:29**
